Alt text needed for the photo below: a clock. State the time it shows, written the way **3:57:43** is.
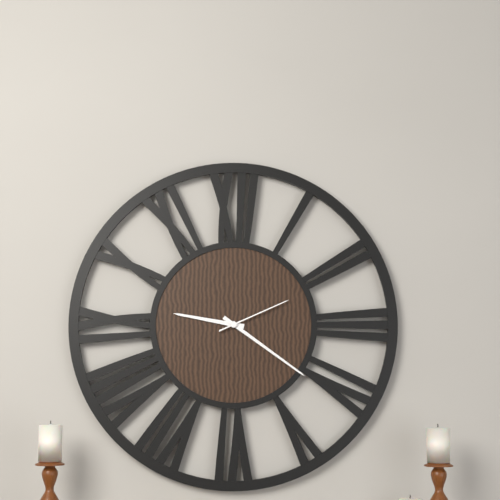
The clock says **9:21:11**
